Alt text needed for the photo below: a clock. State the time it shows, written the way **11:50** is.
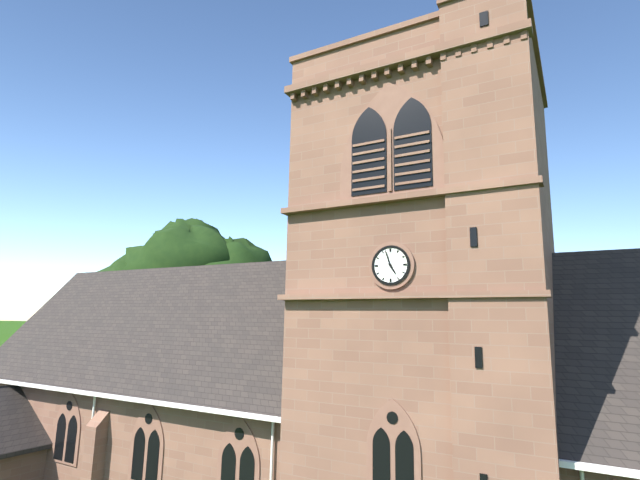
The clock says **4:57**
